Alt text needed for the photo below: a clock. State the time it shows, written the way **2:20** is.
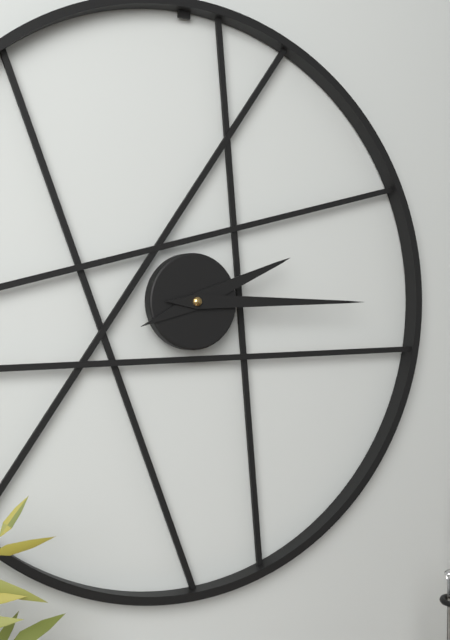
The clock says **2:15**
